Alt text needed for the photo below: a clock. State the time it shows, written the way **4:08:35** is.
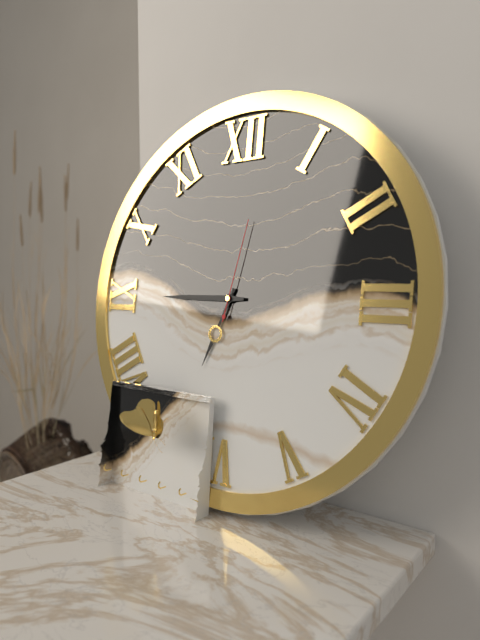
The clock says **6:45:02**
